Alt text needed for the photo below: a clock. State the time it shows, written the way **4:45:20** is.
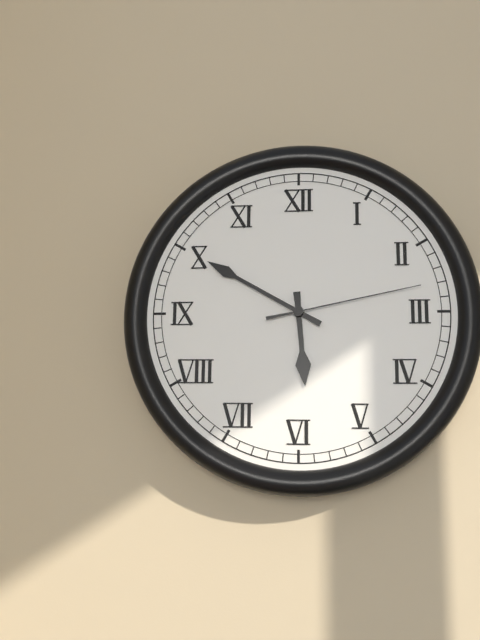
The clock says **5:50:13**
